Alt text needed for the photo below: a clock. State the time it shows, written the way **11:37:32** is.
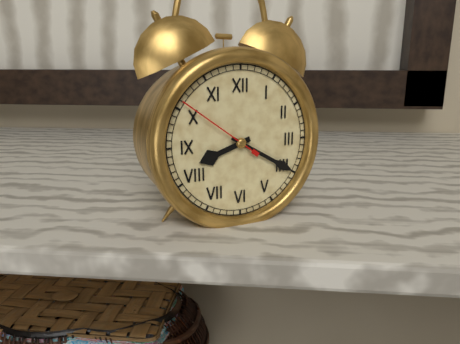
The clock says **8:20:51**
